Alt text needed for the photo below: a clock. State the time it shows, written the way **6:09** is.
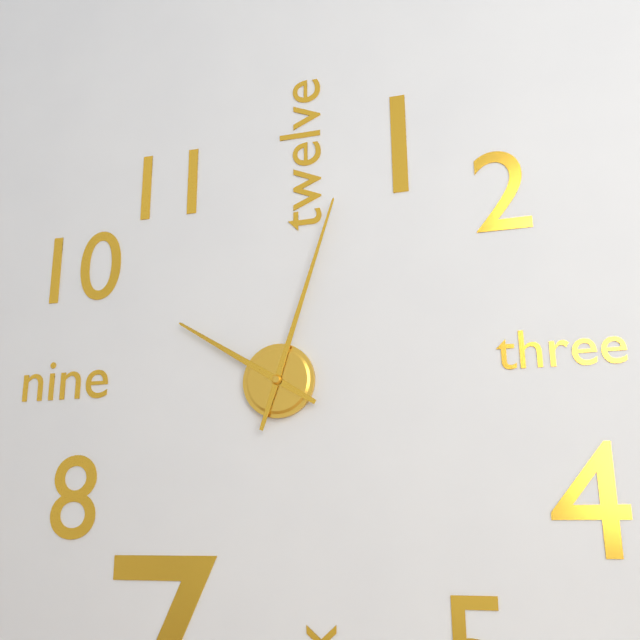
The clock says **10:03**
